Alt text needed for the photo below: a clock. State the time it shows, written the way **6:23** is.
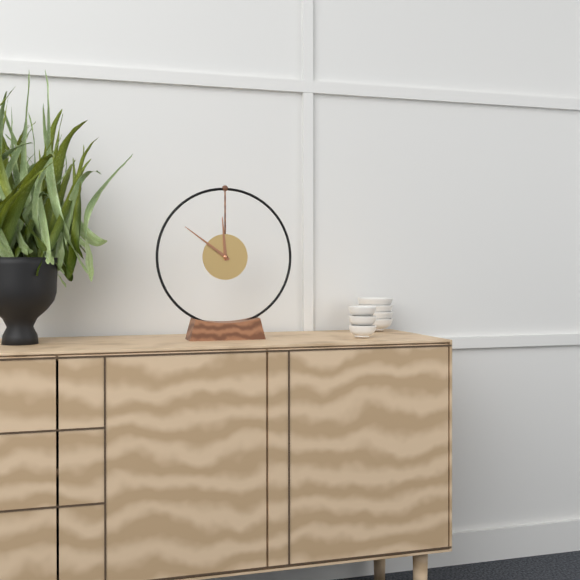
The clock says **11:51**
